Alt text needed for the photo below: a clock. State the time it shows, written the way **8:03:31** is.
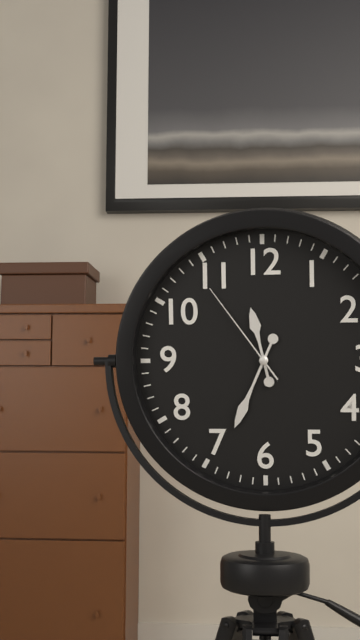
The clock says **11:34:54**
